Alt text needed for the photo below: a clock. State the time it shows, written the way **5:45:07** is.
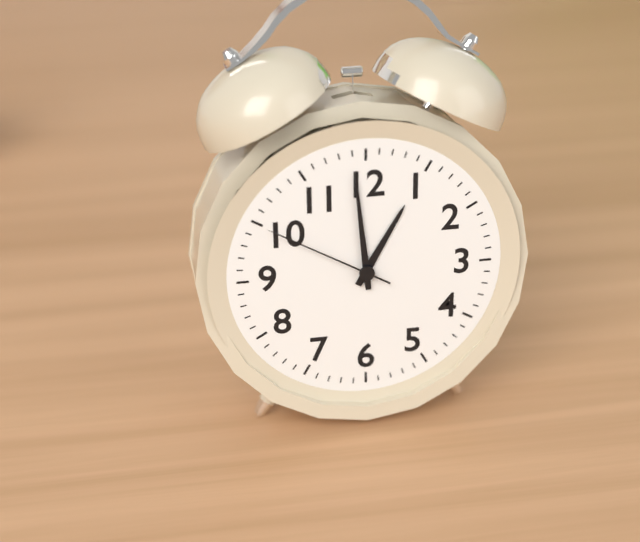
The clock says **12:59:50**
